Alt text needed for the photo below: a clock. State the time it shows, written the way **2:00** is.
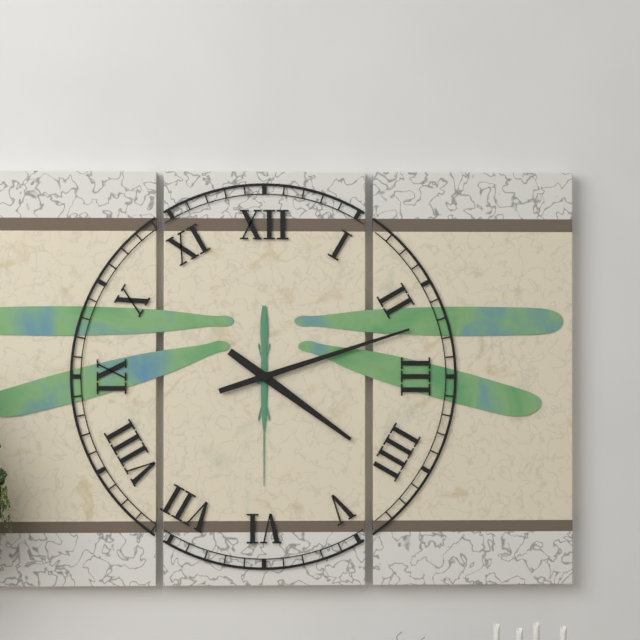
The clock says **4:12**
